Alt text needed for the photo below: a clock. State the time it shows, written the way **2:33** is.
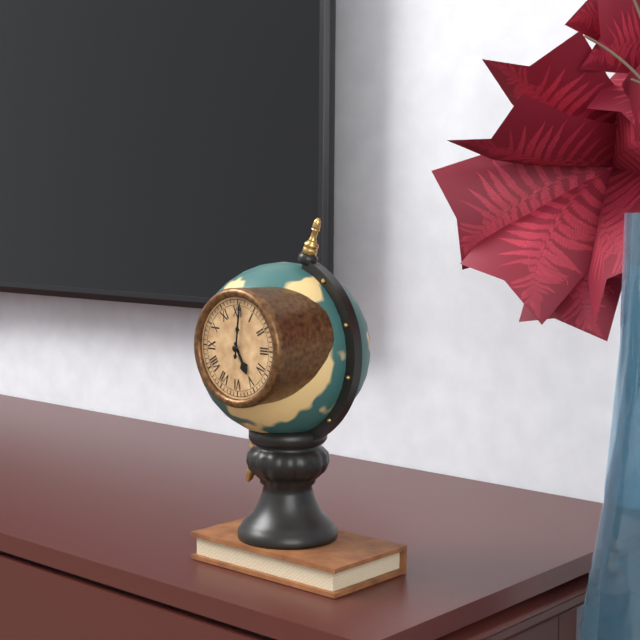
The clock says **5:01**
